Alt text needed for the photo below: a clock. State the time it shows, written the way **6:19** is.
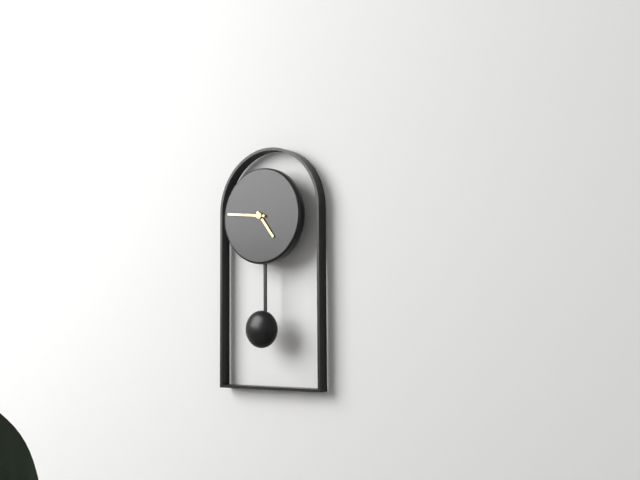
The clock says **4:46**
